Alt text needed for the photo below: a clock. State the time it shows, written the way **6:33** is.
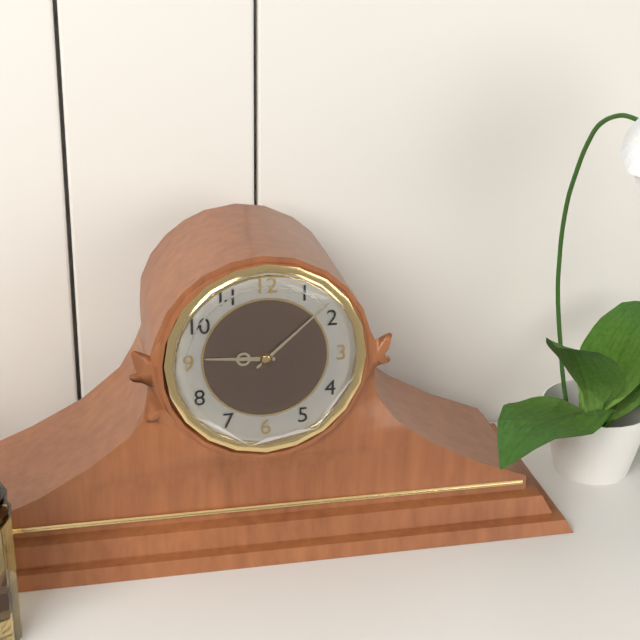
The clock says **9:08**
